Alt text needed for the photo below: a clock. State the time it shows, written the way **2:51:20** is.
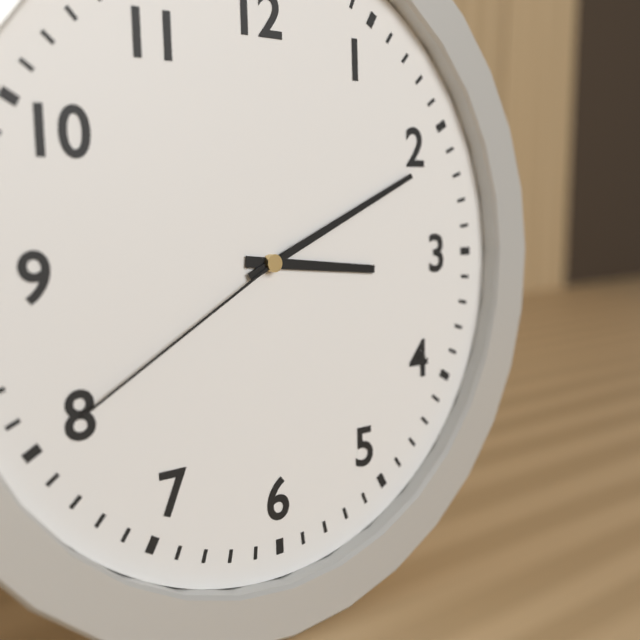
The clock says **3:11:40**
